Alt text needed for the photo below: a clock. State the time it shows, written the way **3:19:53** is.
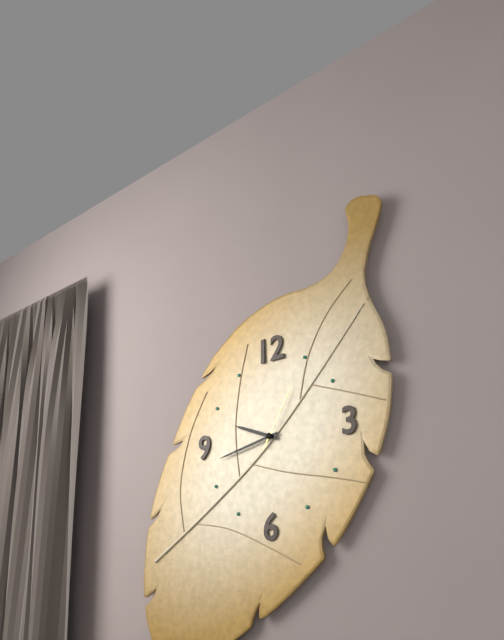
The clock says **9:43:05**
